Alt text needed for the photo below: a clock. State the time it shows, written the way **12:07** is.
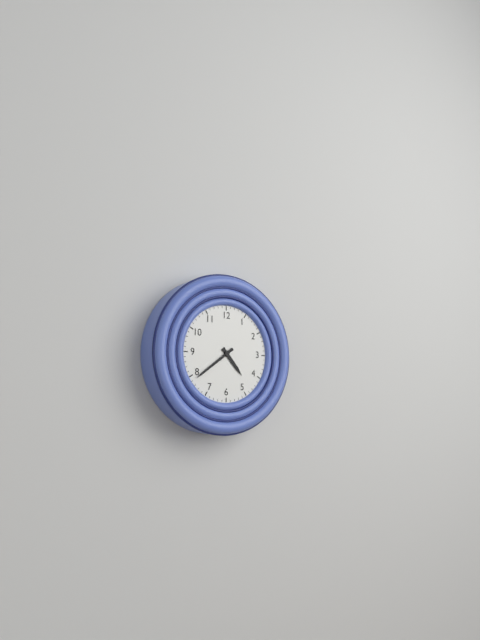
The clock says **4:39**
